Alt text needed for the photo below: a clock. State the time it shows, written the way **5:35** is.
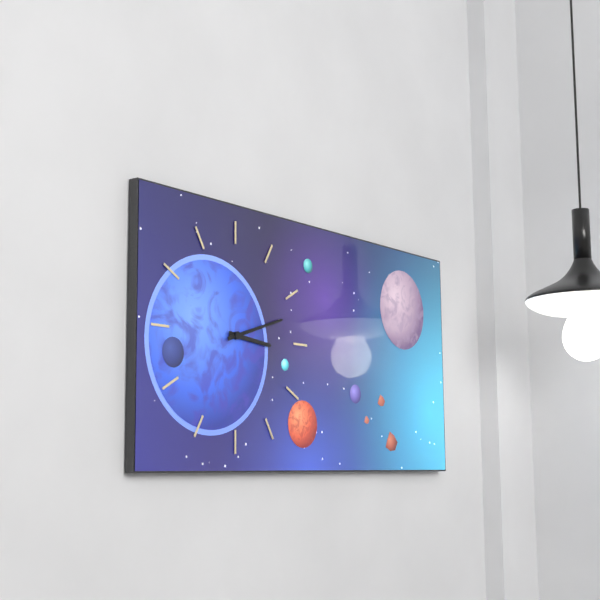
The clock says **3:12**
